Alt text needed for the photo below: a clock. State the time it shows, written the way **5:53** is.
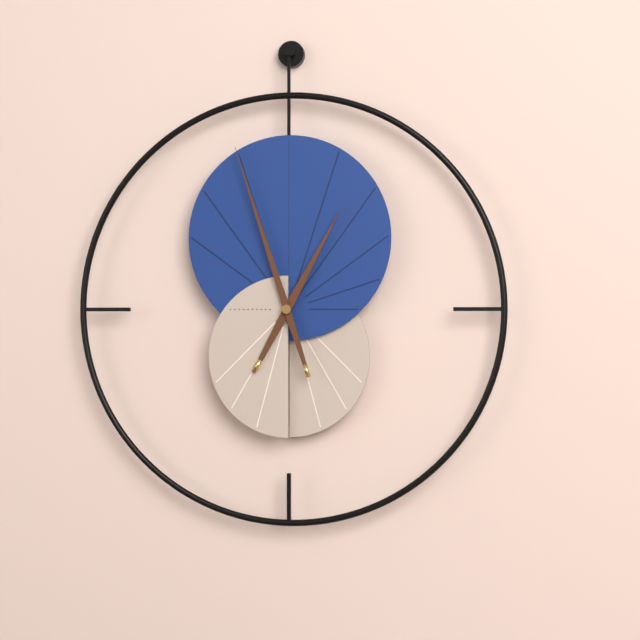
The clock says **12:57**
